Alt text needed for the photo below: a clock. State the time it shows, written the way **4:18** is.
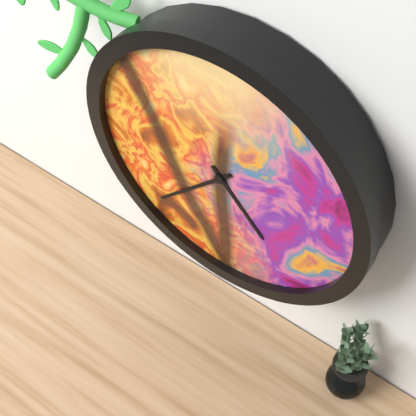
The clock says **4:37**
